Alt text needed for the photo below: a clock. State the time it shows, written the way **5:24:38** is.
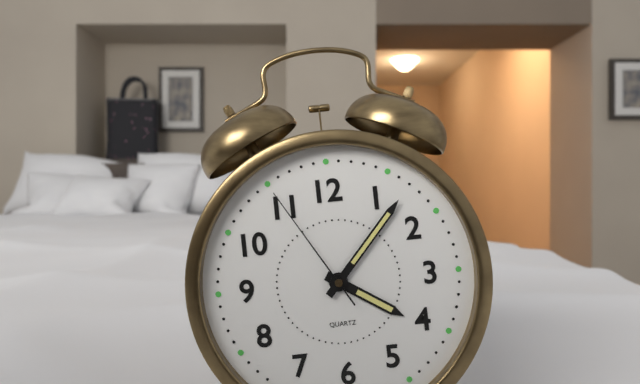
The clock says **4:07:55**
